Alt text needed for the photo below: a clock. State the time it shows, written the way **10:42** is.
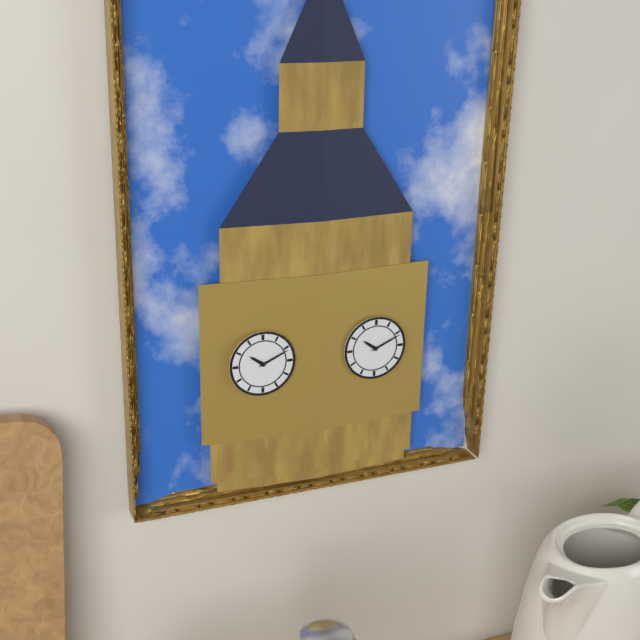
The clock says **10:11**
